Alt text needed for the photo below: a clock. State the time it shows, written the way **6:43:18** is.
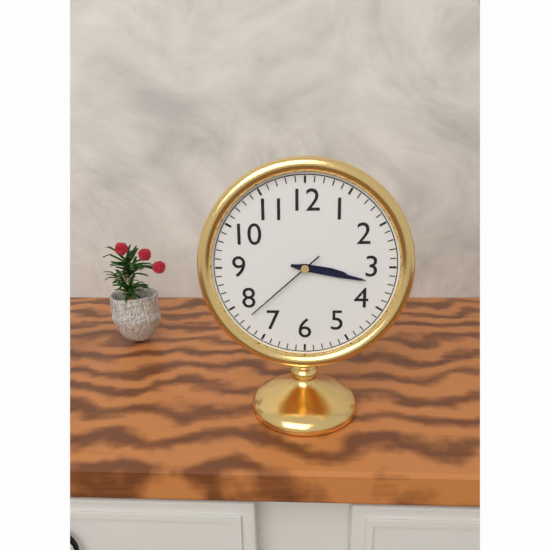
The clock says **3:17:38**
